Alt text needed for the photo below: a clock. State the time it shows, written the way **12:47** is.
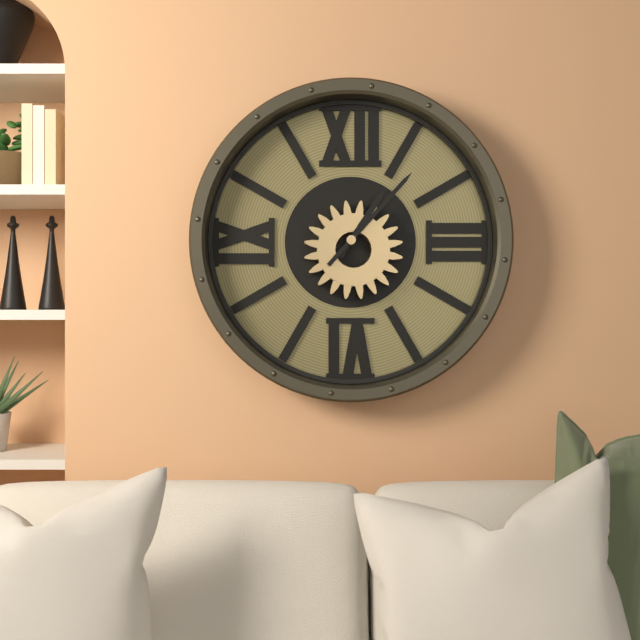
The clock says **1:07**
